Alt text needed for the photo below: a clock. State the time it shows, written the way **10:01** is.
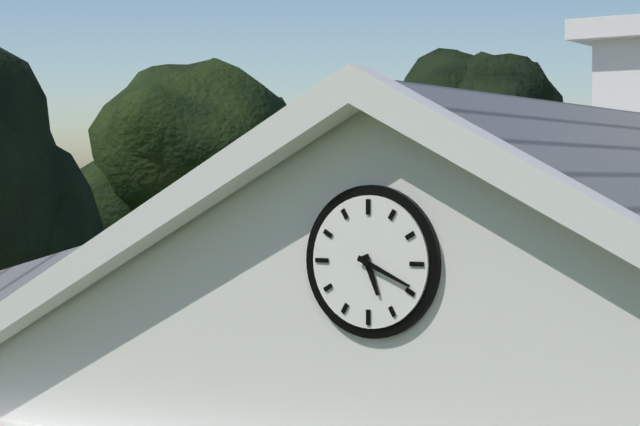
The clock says **5:19**
